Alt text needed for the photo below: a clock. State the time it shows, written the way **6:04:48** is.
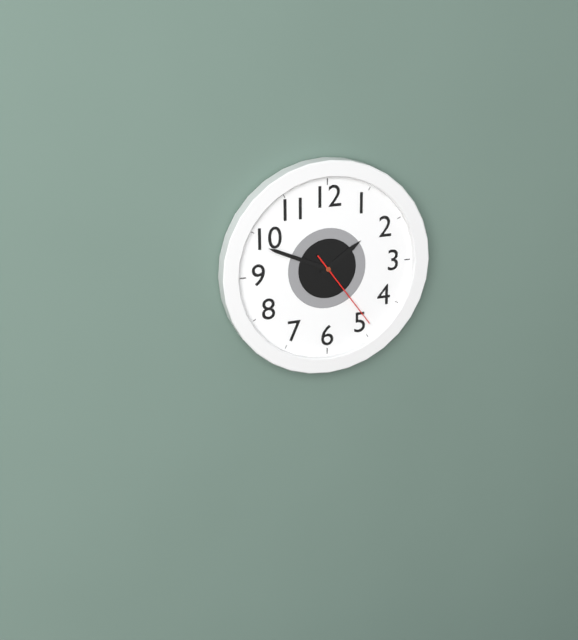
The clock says **1:49:24**
